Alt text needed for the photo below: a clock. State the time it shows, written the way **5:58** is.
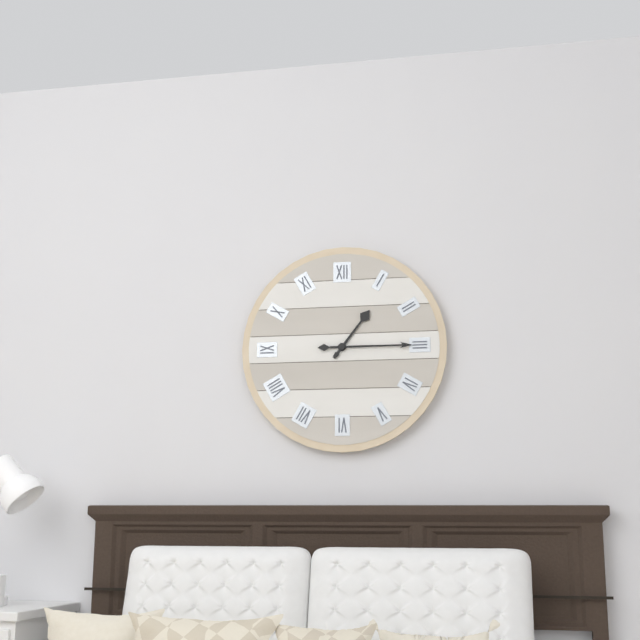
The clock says **1:15**
